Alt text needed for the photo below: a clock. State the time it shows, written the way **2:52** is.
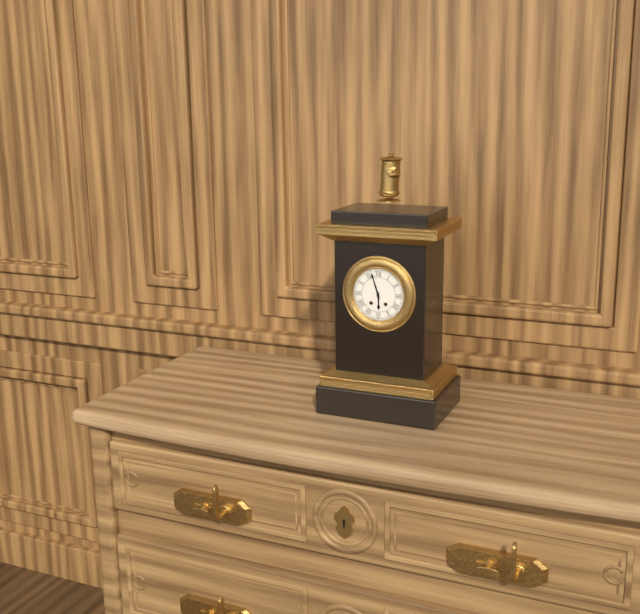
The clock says **5:57**
